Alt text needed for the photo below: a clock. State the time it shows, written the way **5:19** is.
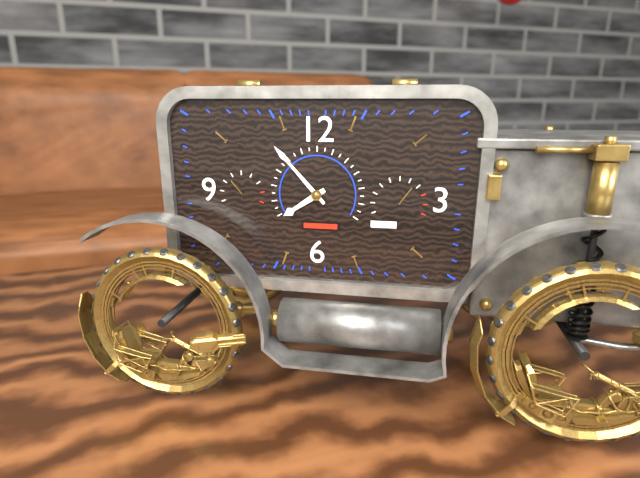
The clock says **7:53**
